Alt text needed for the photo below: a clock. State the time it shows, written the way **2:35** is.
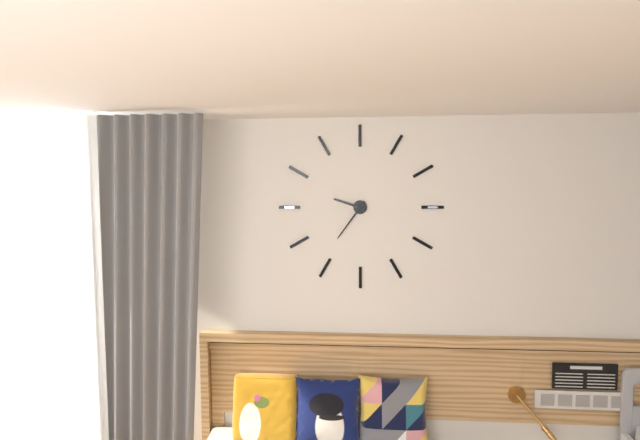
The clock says **9:36**
